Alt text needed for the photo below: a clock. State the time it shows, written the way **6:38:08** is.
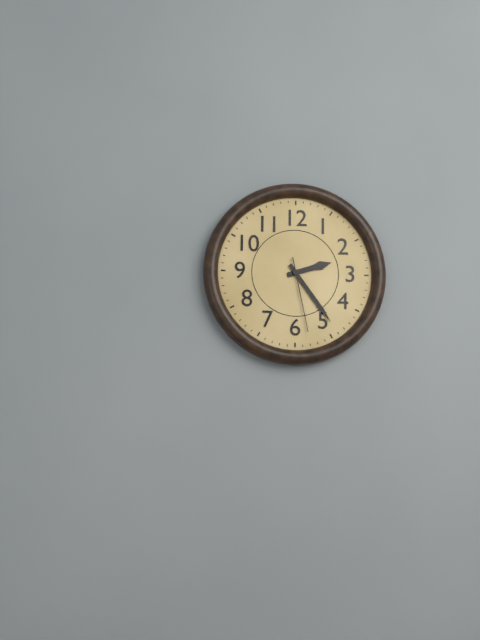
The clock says **2:24:28**
